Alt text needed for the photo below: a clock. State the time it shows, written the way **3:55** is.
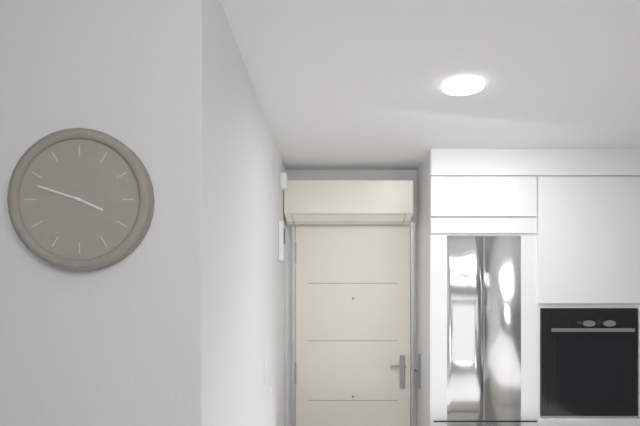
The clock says **3:48**
